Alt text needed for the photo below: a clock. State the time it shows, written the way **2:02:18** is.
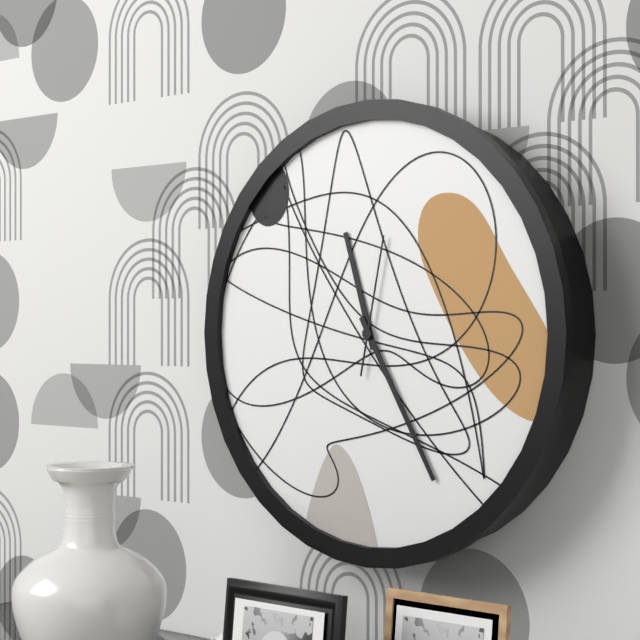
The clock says **11:25:02**
